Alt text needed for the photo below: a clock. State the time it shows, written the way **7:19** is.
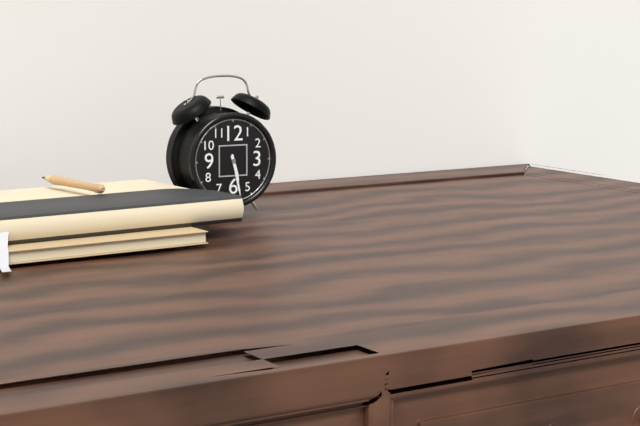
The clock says **5:28**
